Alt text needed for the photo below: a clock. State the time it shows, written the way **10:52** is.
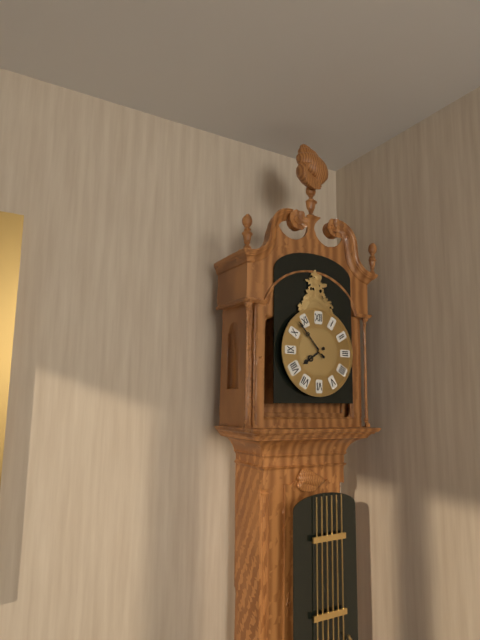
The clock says **7:53**
